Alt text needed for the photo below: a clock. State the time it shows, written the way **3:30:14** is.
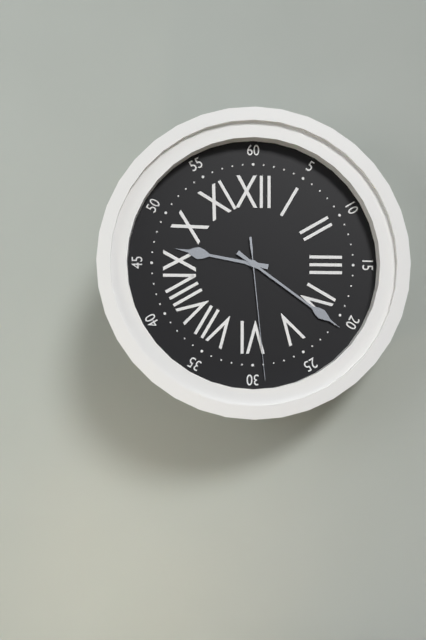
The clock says **9:21:29**
